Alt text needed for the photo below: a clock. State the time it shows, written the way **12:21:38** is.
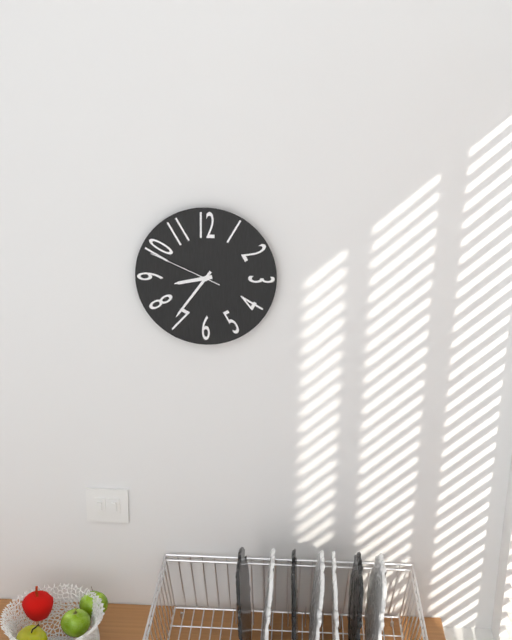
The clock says **8:36:49**
